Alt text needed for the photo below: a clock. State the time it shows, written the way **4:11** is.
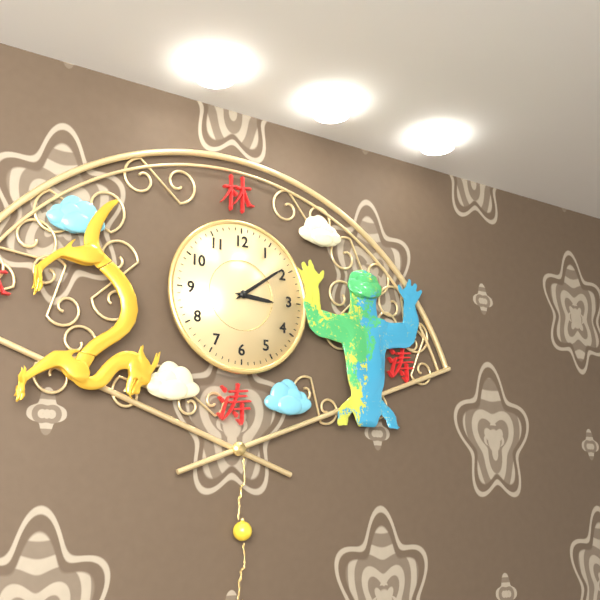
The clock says **3:09**
